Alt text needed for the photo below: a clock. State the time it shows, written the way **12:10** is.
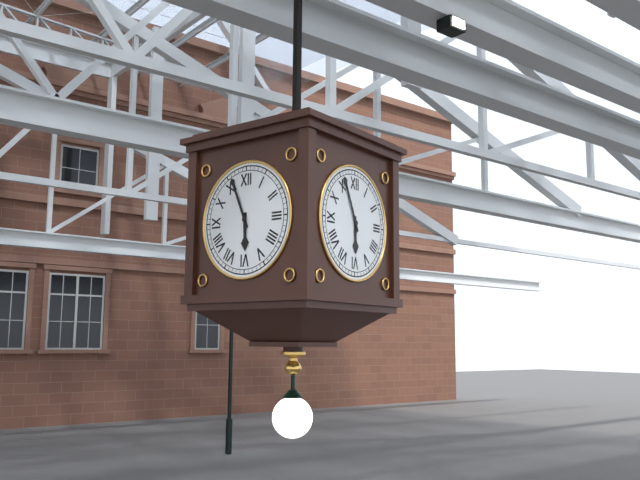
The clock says **5:56**
